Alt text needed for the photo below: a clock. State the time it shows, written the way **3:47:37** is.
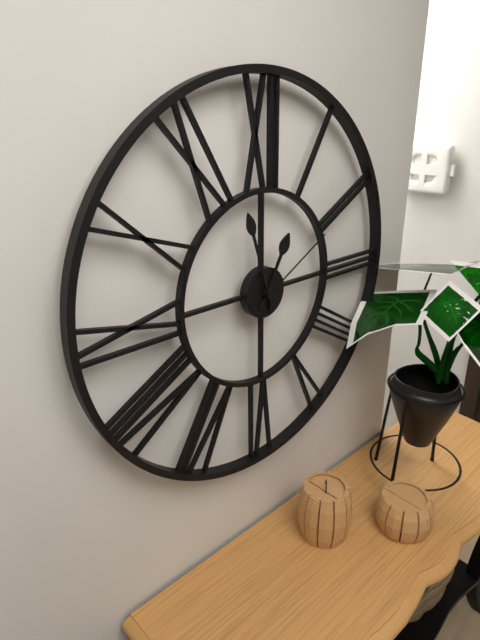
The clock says **12:57:10**
